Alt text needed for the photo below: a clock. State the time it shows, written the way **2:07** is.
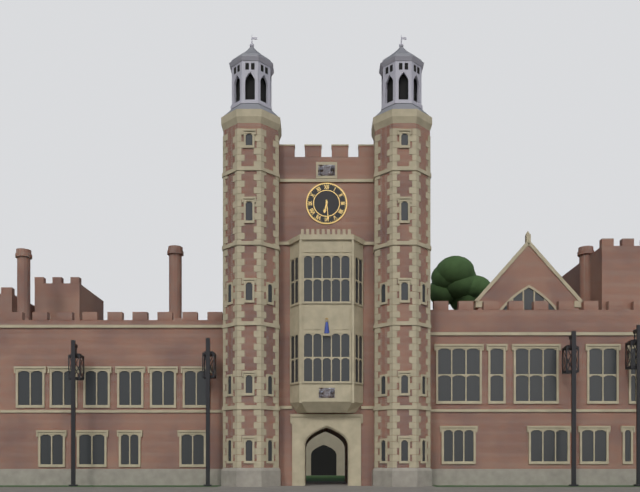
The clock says **6:29**
